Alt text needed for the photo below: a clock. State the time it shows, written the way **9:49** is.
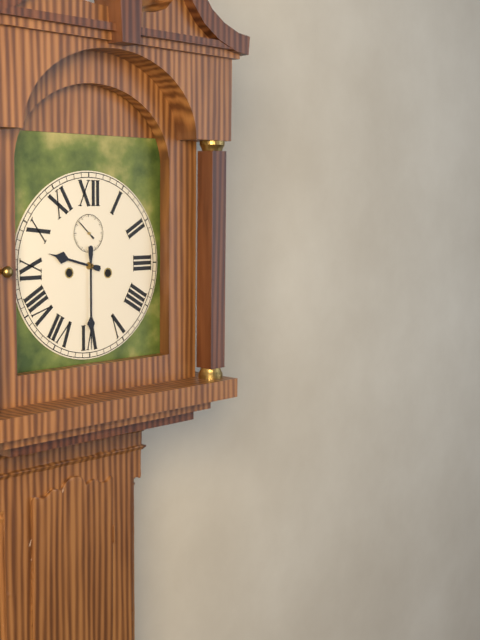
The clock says **9:30**
